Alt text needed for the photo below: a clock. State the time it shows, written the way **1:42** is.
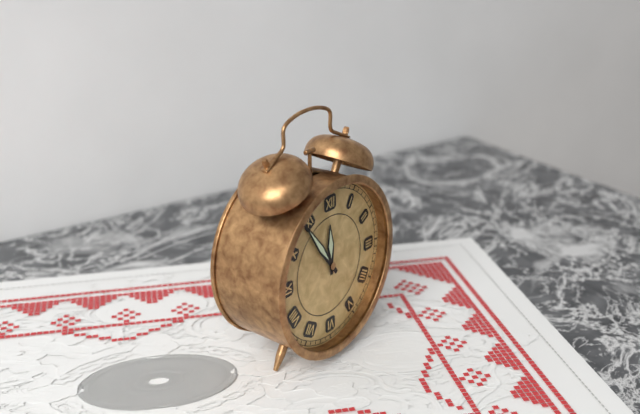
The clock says **11:54**
